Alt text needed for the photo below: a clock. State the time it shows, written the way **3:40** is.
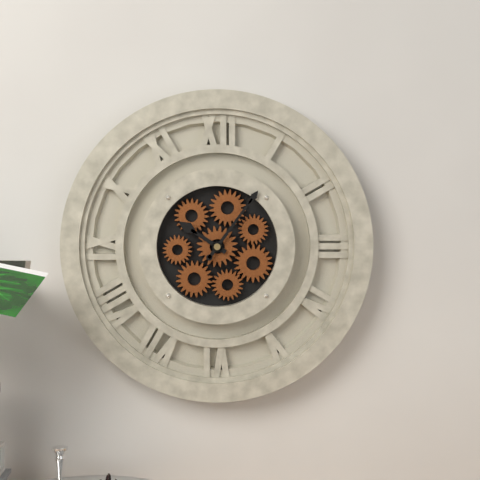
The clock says **10:06**
